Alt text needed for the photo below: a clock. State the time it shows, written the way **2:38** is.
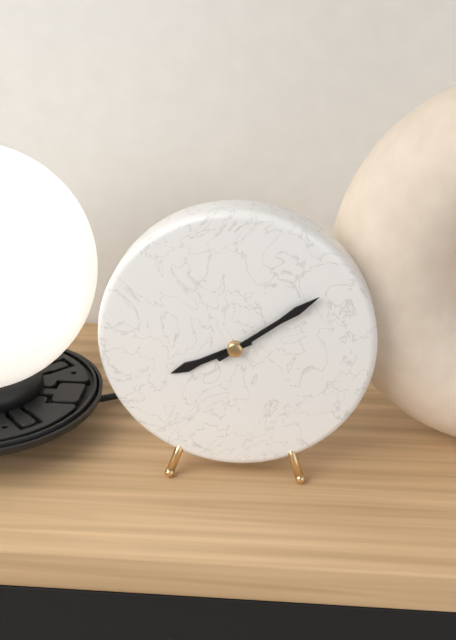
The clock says **8:09**
